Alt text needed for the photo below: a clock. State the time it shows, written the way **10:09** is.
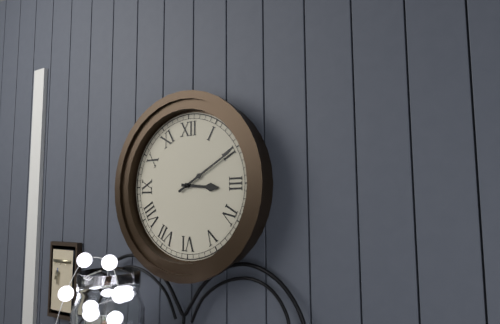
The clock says **3:10**
